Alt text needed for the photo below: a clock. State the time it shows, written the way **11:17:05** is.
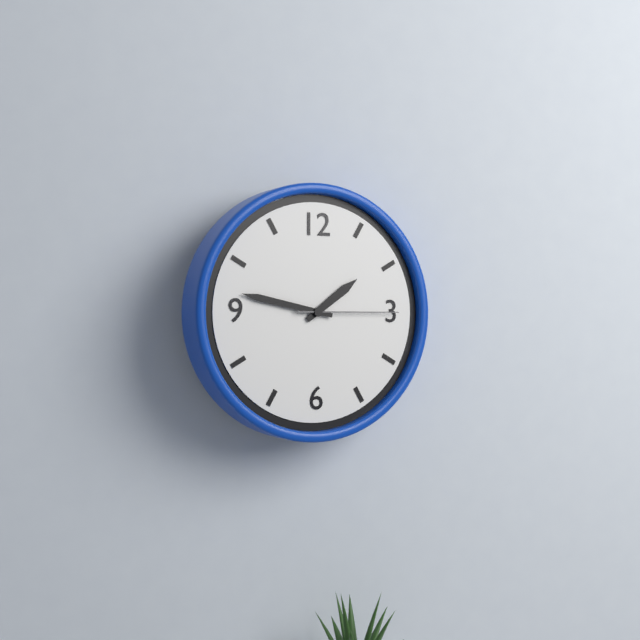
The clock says **1:47:15**
